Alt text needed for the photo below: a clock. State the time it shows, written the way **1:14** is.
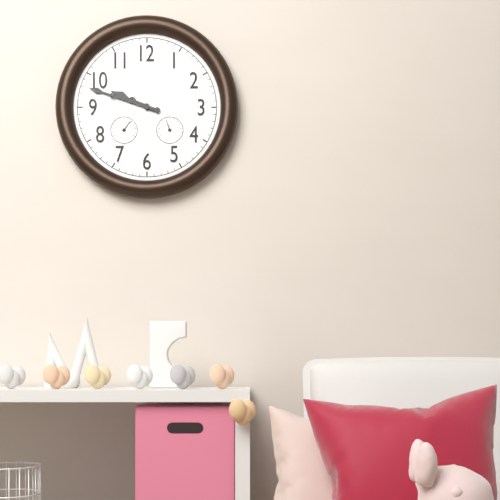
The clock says **9:48**
